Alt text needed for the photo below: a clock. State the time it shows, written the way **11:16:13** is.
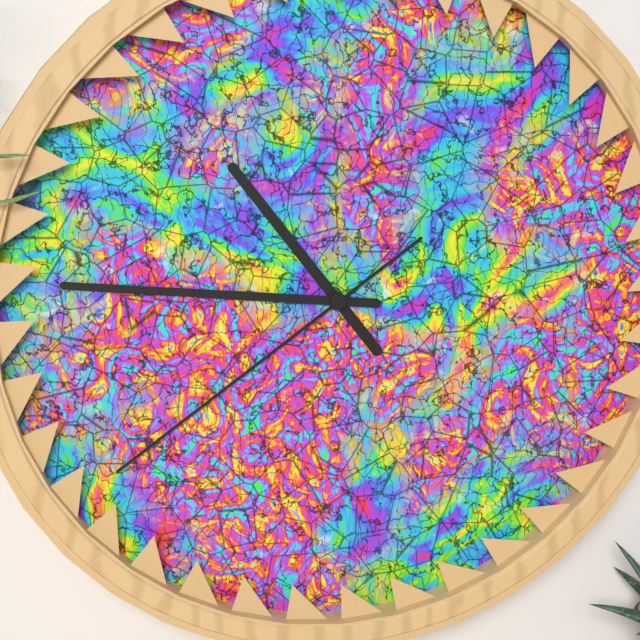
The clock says **10:46:39**
